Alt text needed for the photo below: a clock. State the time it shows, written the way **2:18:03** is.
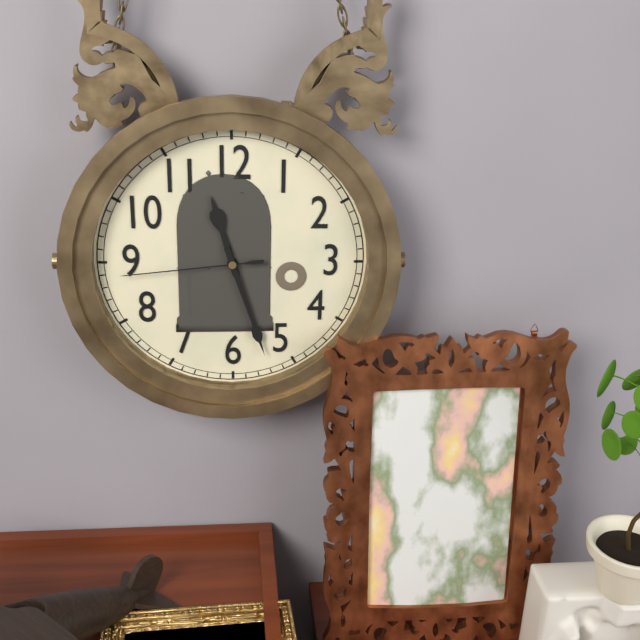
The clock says **11:27:44**
